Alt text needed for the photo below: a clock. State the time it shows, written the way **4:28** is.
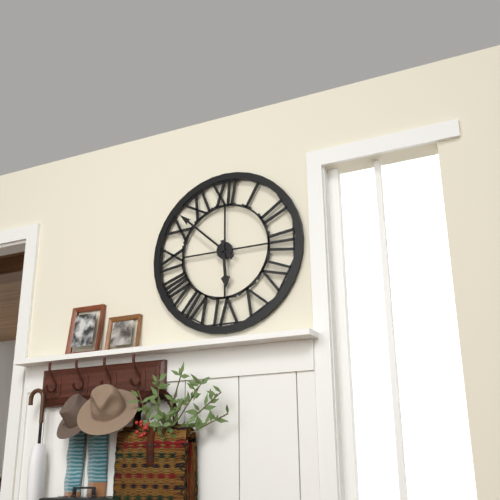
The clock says **5:52**
